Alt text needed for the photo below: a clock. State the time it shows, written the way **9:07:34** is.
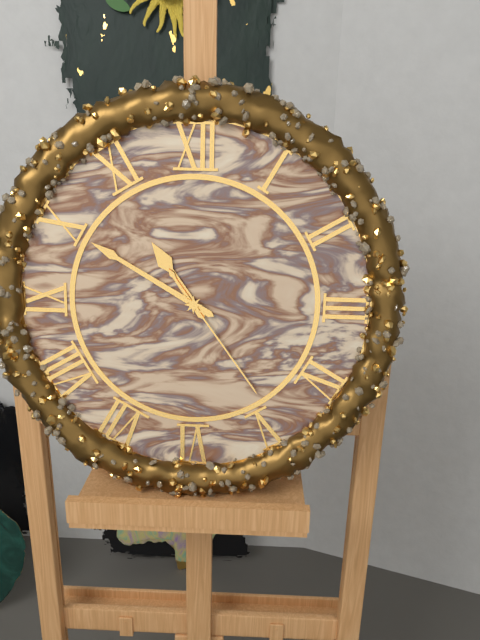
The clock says **10:50:24**
